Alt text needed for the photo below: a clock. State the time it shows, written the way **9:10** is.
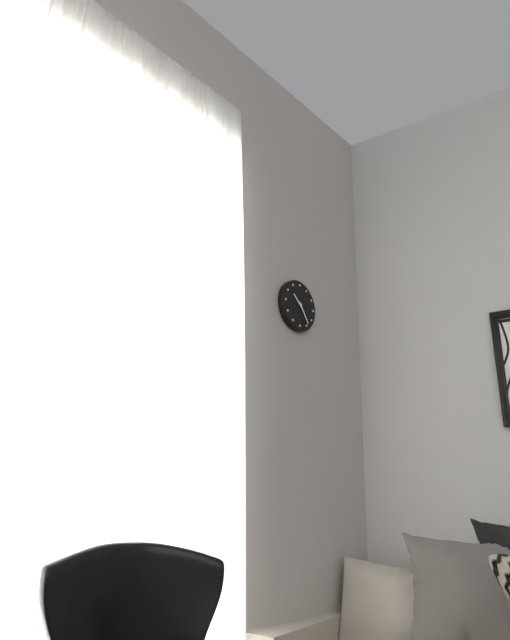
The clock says **10:24**
